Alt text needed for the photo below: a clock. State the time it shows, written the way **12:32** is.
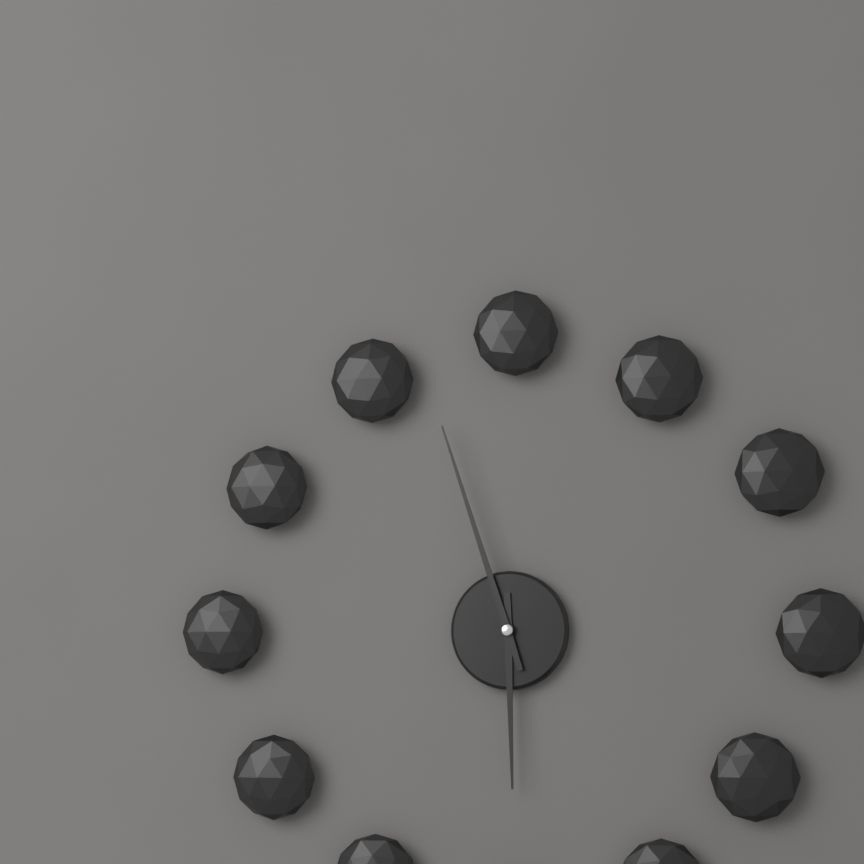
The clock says **5:57**
